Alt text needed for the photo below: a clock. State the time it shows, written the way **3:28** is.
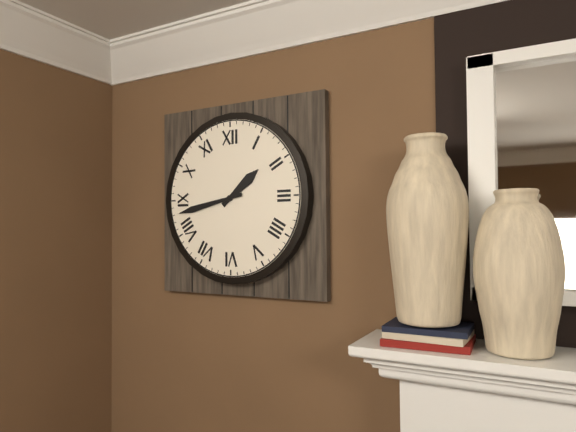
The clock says **1:43**
